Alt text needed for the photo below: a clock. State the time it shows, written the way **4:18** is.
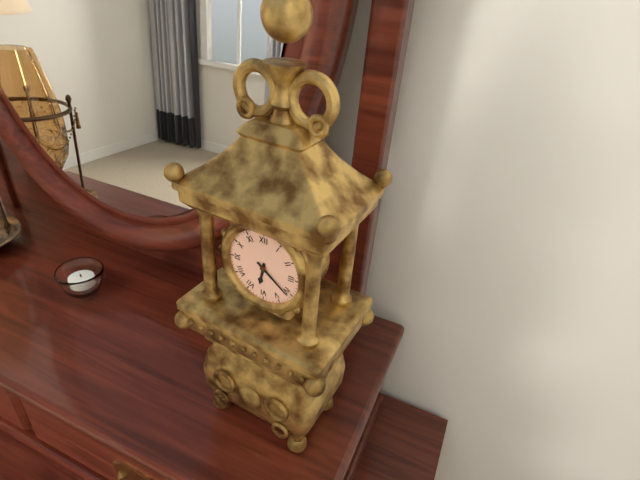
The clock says **6:21**
